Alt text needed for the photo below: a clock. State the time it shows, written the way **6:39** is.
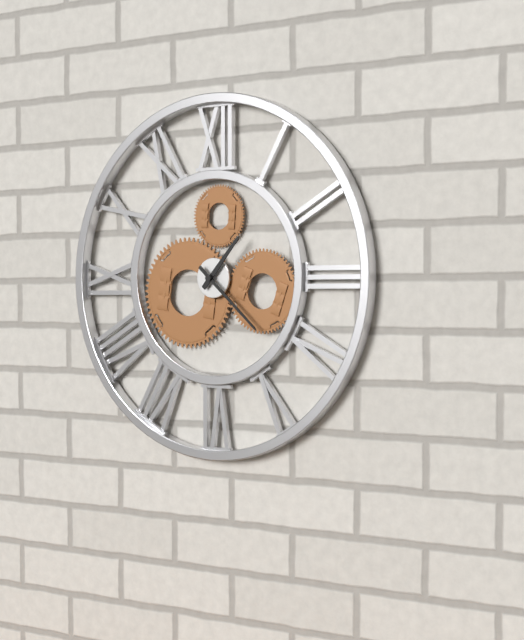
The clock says **1:22**
